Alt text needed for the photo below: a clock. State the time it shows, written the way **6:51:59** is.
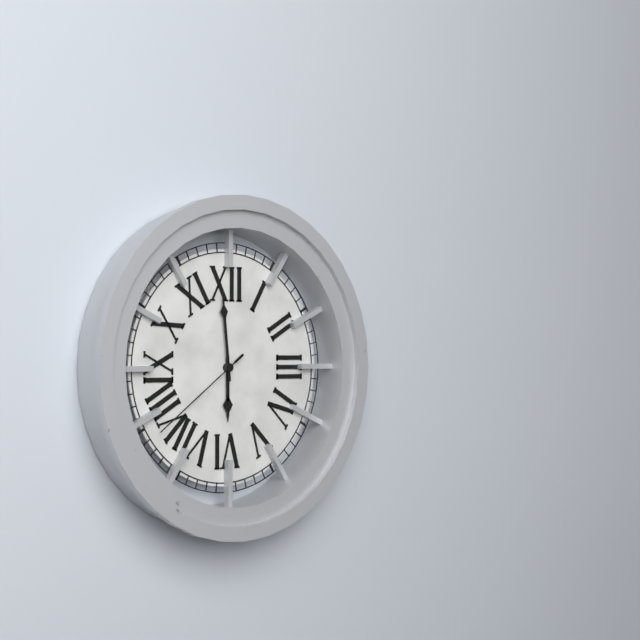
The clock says **5:59:39**
